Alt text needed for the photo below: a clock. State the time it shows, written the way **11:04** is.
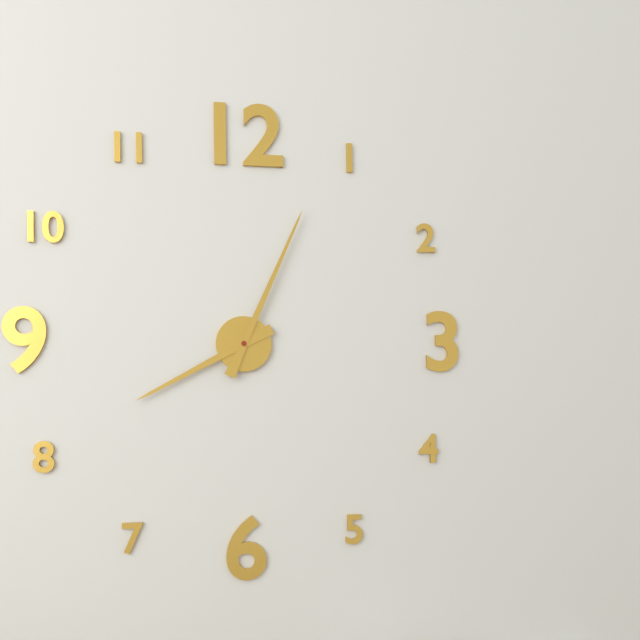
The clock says **8:04**
